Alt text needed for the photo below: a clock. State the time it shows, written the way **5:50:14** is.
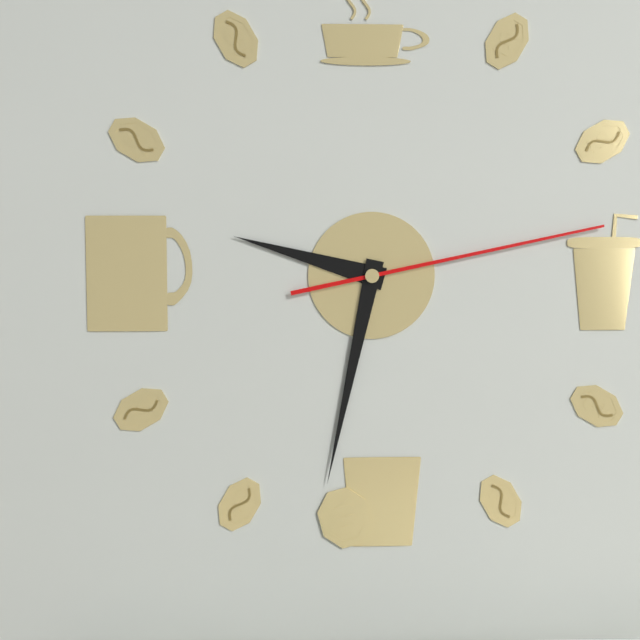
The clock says **9:32:13**
